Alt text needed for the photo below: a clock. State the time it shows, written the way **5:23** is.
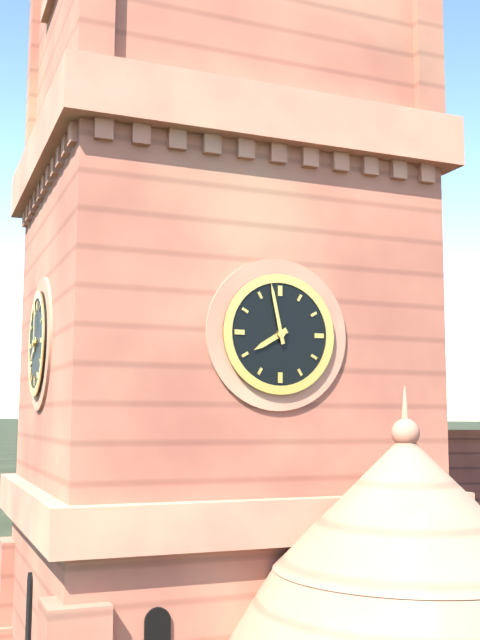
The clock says **7:58**
